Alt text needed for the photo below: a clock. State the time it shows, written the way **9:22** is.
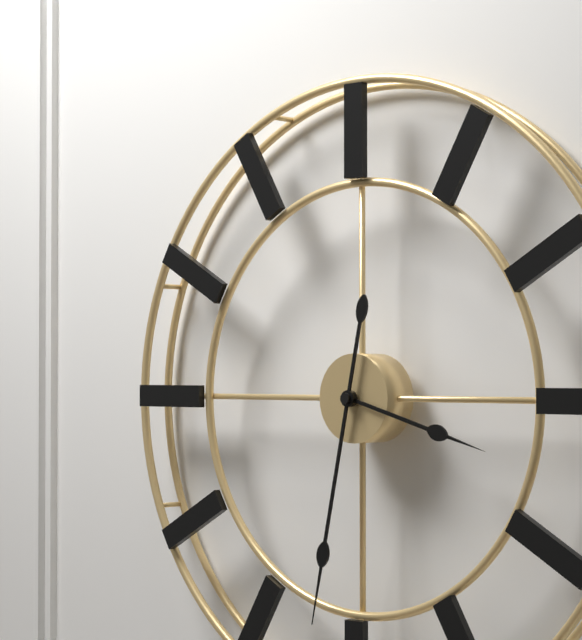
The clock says **3:32**
